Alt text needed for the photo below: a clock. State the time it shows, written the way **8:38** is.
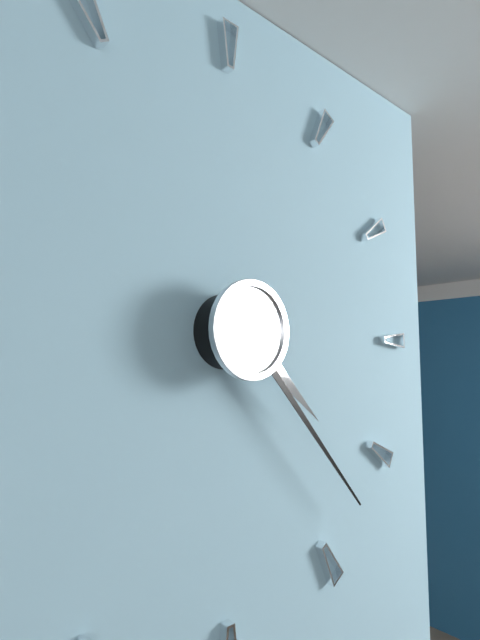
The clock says **4:23**
